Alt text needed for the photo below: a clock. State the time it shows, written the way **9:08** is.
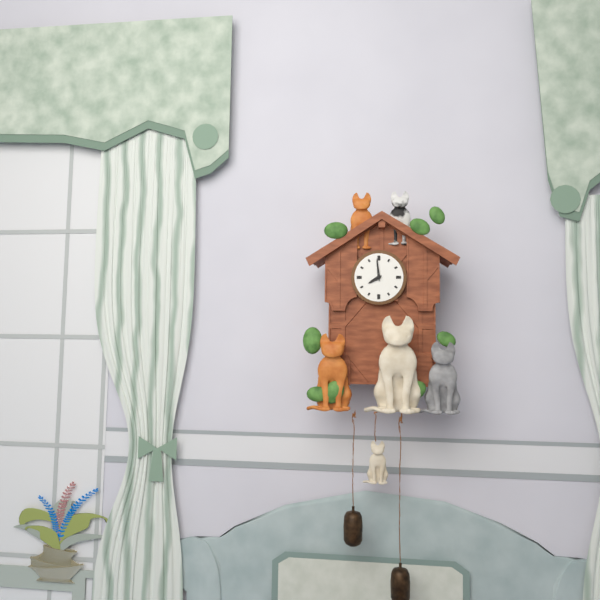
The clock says **7:59**
